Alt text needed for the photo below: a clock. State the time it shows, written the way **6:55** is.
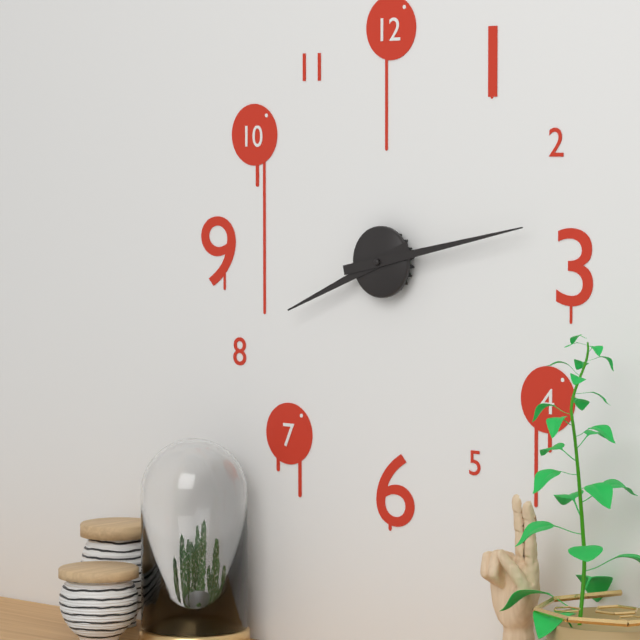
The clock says **8:13**
